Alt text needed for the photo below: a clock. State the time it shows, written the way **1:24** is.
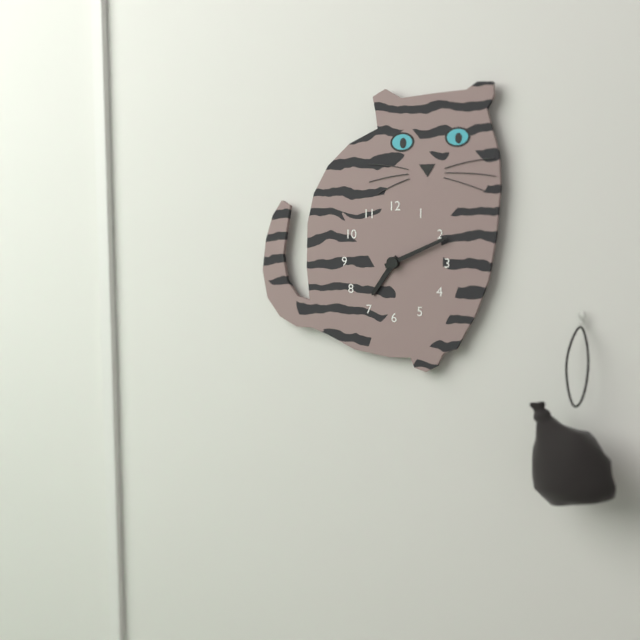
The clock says **7:11**
